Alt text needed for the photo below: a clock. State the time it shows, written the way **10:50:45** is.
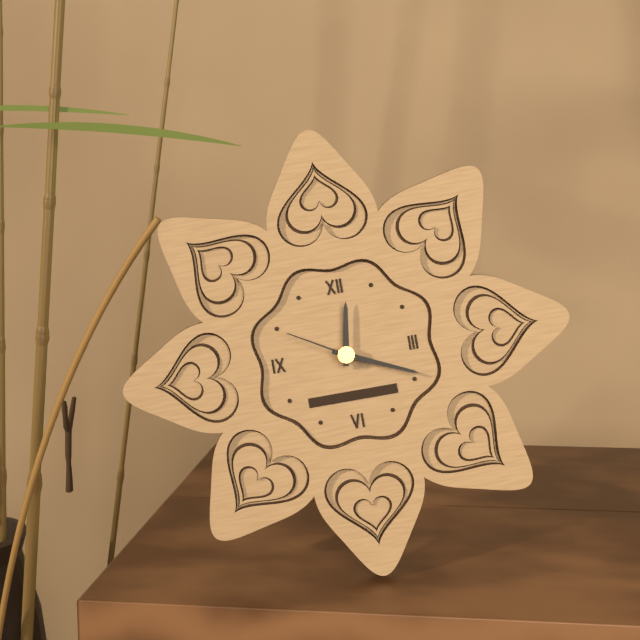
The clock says **12:19:50**
